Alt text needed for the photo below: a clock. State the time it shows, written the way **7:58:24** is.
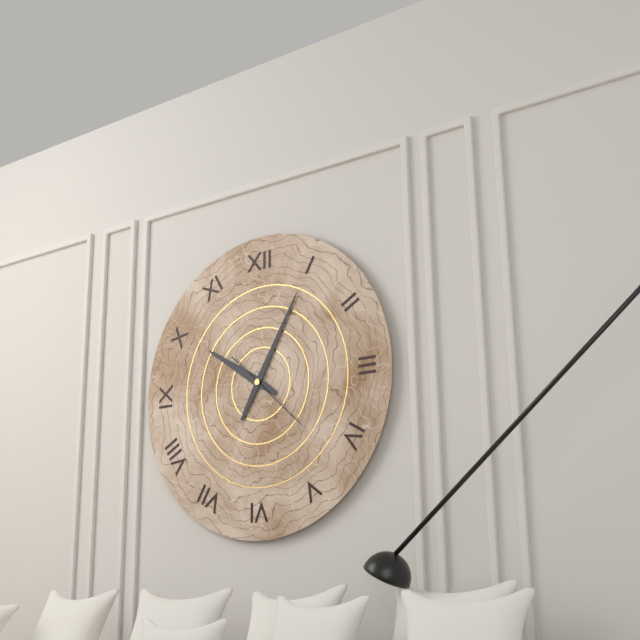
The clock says **10:05:22**
